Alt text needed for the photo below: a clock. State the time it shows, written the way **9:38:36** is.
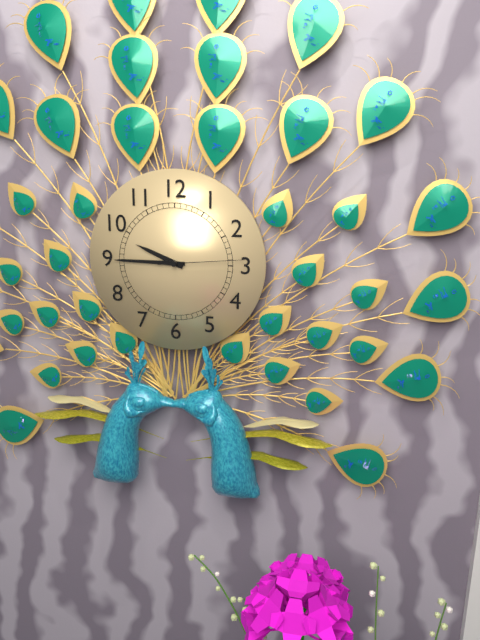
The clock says **9:45:14**
